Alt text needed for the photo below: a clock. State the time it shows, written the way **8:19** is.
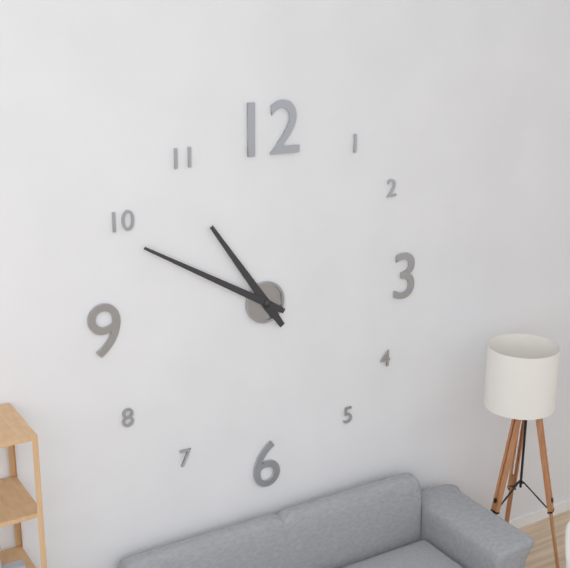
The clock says **10:50**
